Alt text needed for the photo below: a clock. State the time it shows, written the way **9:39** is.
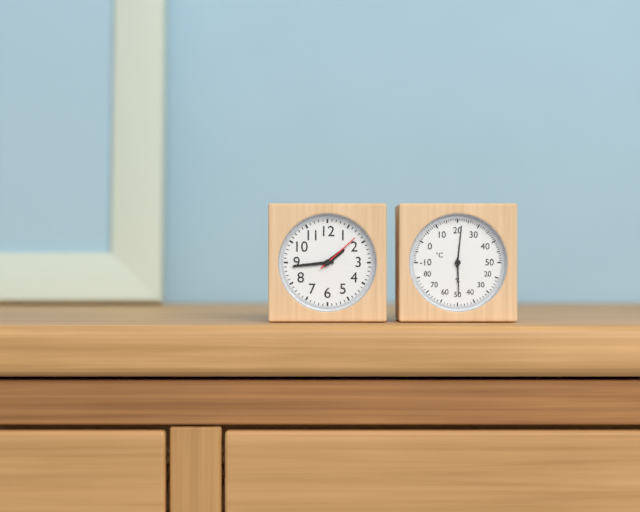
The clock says **1:44**
